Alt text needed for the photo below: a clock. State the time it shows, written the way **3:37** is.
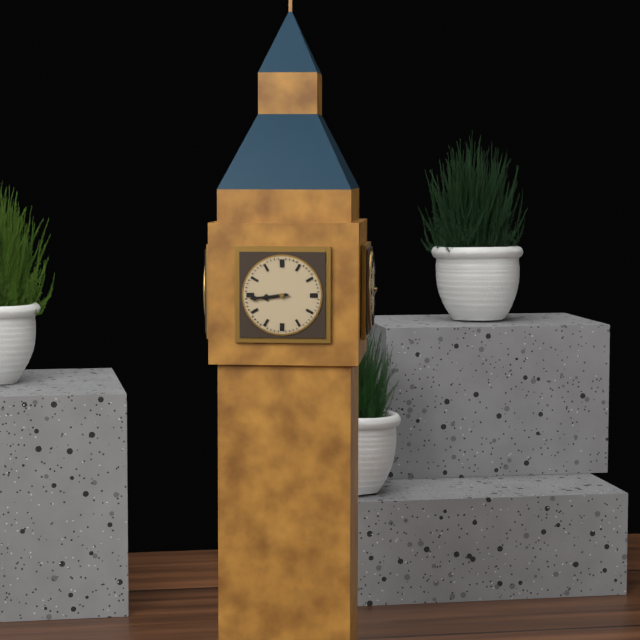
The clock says **8:44**
